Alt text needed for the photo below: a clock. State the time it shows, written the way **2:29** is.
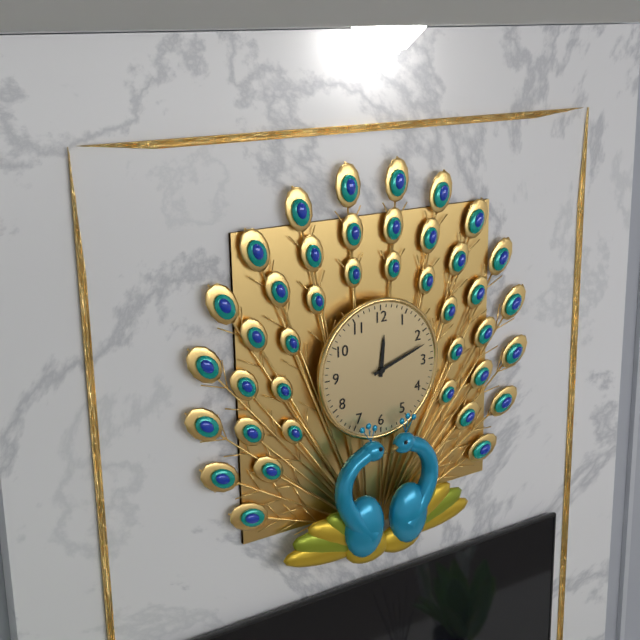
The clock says **12:12**
